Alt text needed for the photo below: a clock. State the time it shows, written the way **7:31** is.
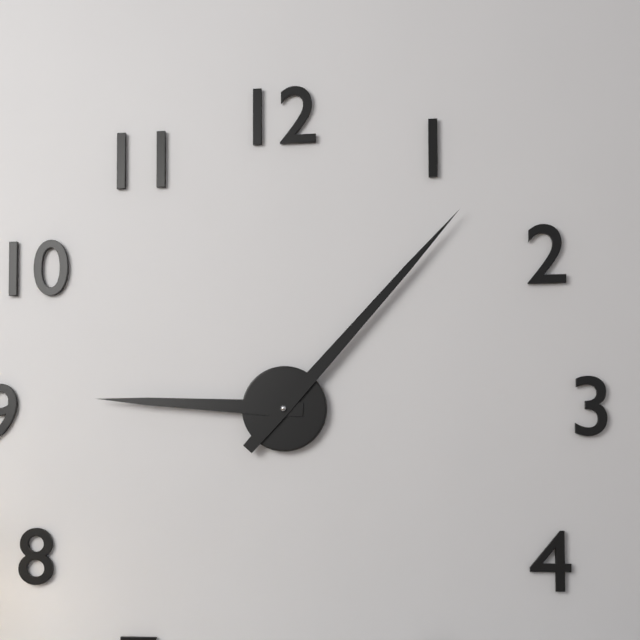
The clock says **9:07**
